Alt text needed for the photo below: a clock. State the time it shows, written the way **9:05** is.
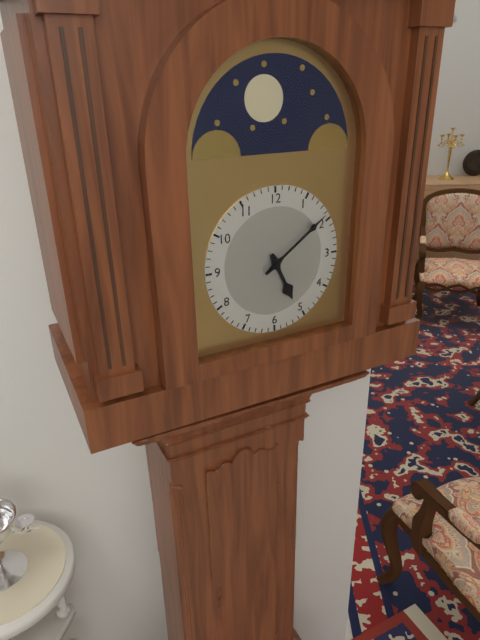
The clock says **5:09**
